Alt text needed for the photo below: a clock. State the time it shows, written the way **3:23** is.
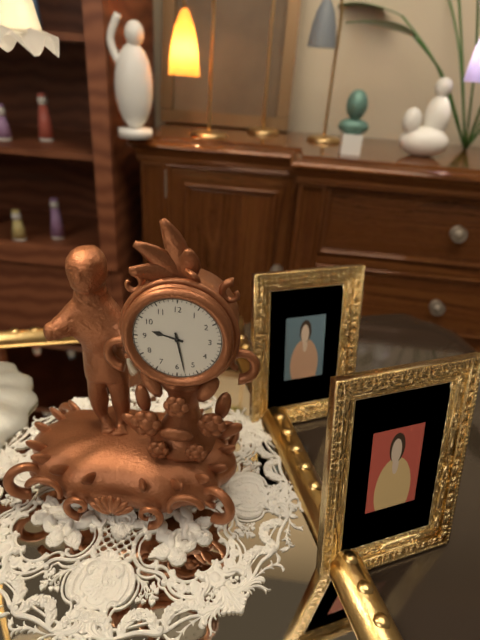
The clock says **9:28**
